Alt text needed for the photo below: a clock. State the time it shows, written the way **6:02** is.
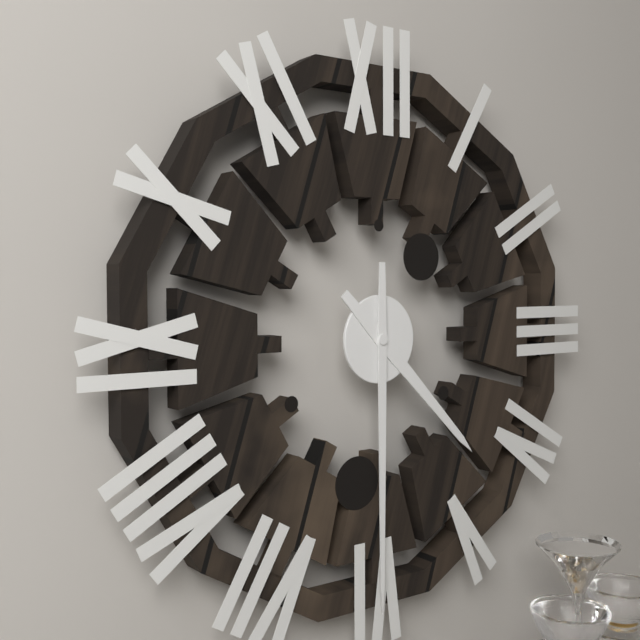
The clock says **4:30**
